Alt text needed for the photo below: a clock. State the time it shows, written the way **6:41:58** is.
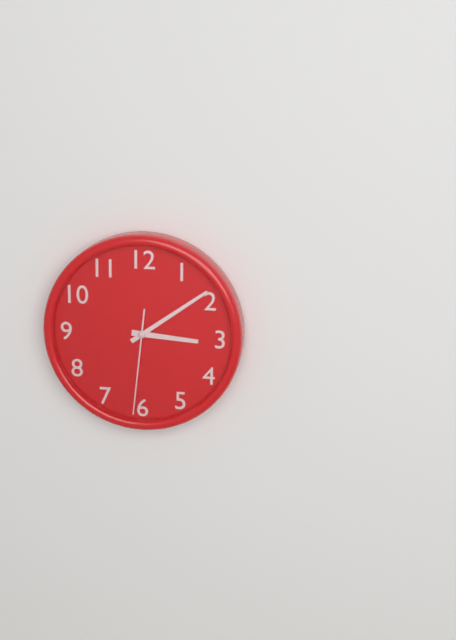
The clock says **3:09:31**
